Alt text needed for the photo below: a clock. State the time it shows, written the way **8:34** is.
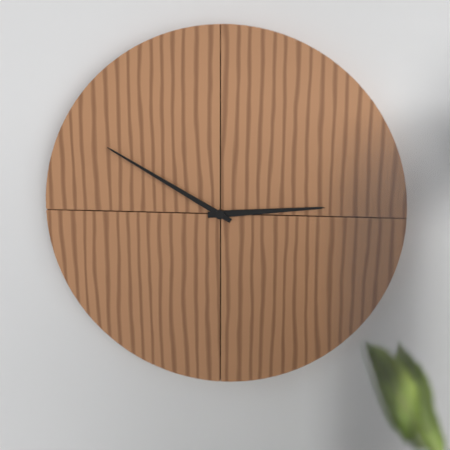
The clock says **2:50**
